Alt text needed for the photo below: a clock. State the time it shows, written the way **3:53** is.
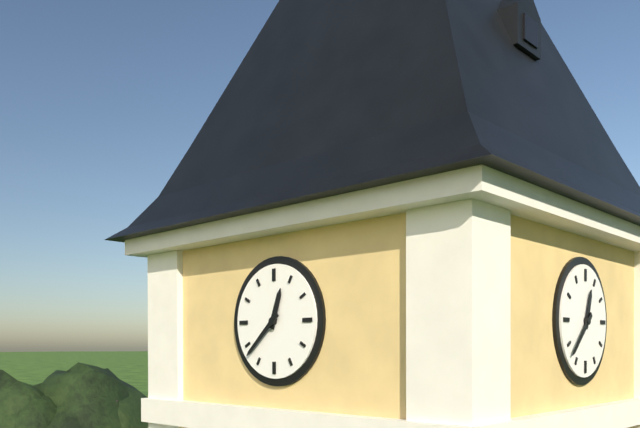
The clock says **12:38**
